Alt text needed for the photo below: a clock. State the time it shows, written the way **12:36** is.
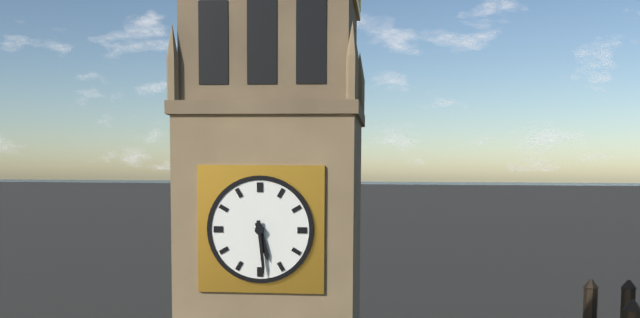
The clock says **5:29**
